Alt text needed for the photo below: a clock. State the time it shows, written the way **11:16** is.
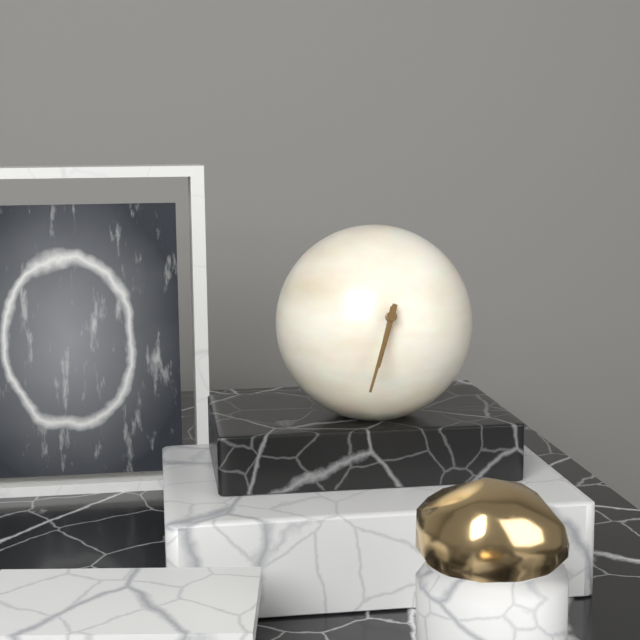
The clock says **6:33**
